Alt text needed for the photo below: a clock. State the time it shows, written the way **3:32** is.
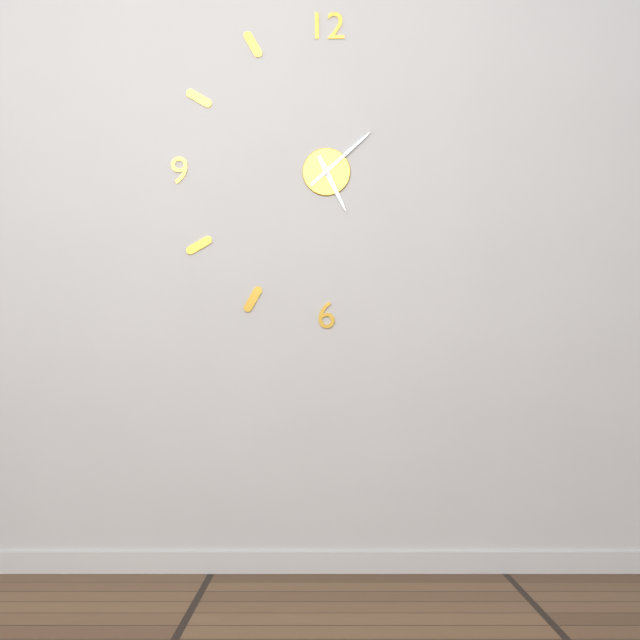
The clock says **5:08**
